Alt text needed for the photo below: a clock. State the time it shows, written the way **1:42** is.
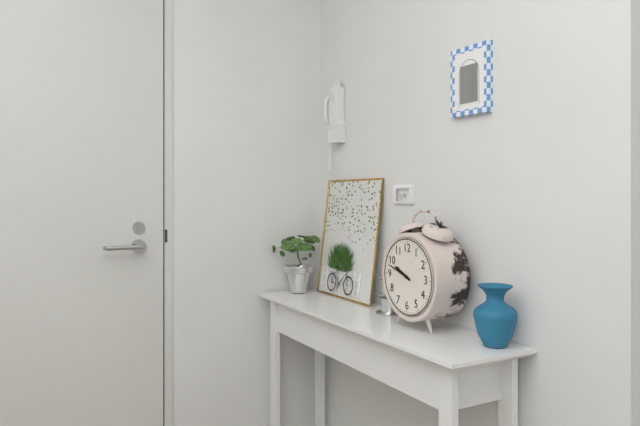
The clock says **9:48**
